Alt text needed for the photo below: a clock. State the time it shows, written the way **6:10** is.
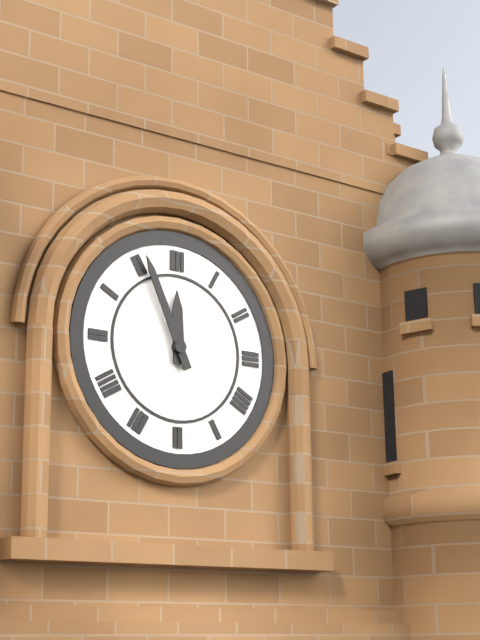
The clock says **11:56**
